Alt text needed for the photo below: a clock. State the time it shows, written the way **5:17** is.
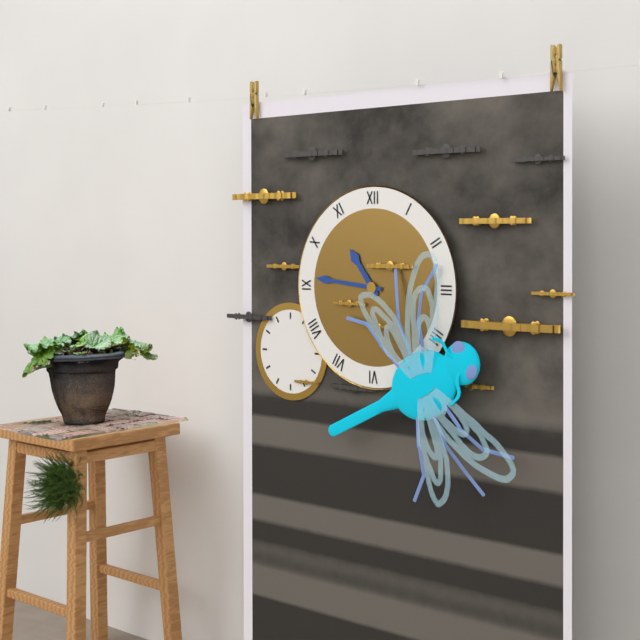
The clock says **10:46**
